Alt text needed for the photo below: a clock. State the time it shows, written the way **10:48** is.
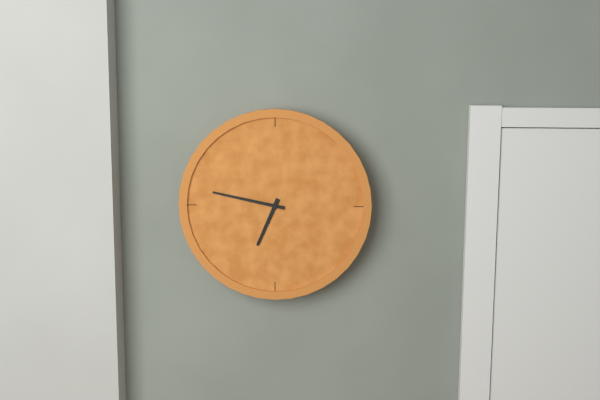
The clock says **6:47**
